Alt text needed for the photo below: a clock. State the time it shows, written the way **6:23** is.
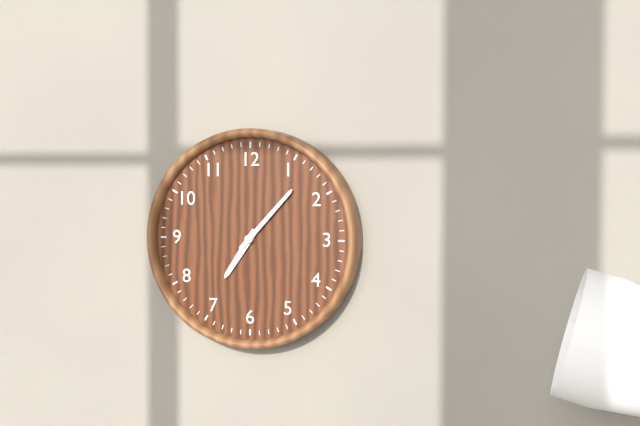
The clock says **7:07**
